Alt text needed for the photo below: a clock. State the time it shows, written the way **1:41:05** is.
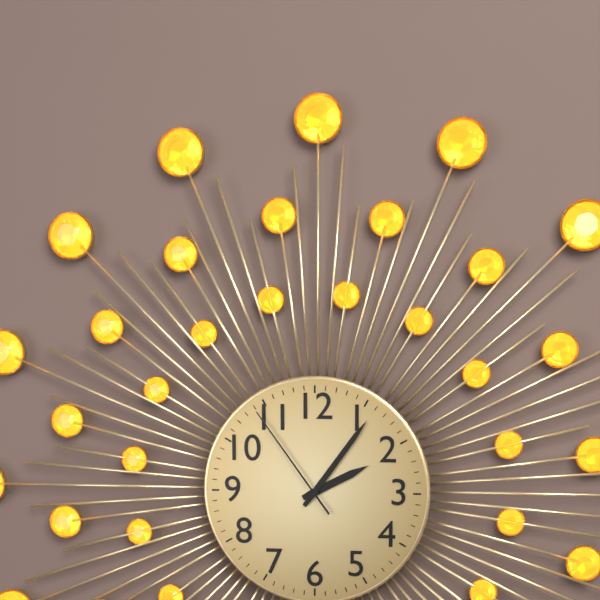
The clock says **2:06:54**
